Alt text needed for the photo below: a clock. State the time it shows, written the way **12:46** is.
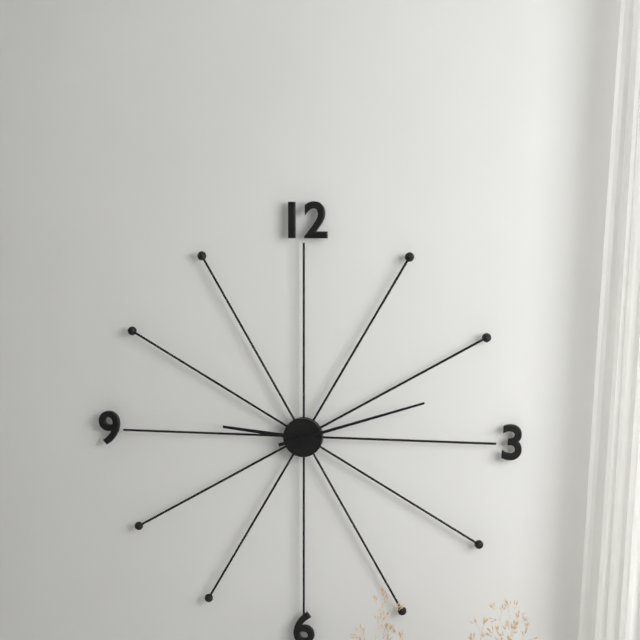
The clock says **9:12**
